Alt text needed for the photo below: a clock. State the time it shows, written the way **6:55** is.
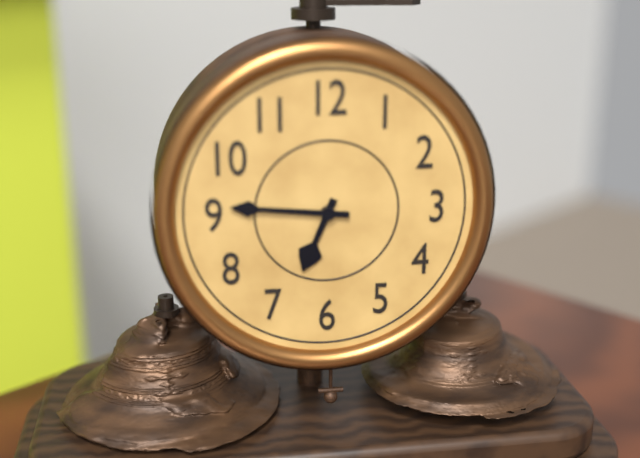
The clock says **6:46**
